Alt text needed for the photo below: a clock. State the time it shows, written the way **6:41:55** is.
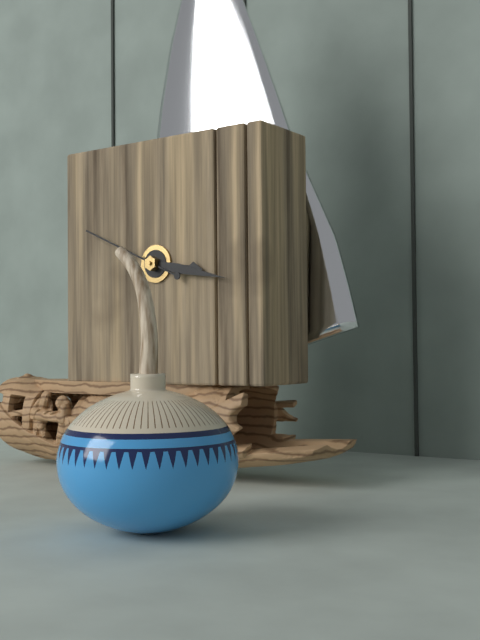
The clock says **3:17:49**
